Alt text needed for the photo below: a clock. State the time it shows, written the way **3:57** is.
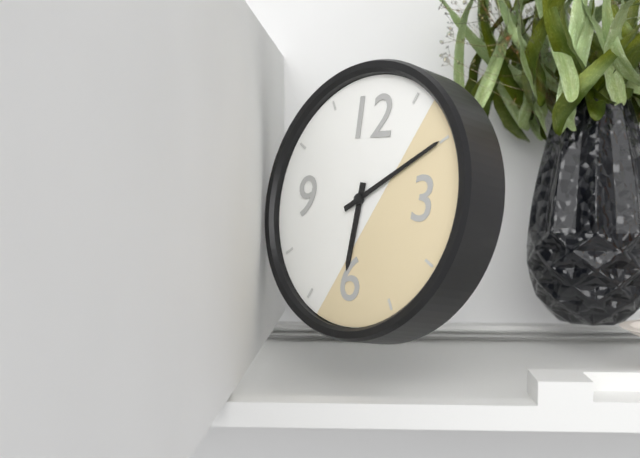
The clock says **6:10**
